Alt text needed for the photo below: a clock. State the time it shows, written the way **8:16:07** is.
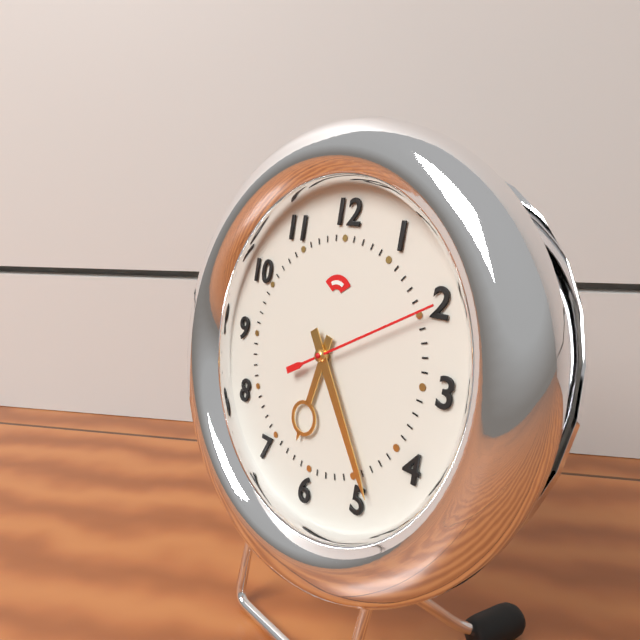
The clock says **6:24:10**
